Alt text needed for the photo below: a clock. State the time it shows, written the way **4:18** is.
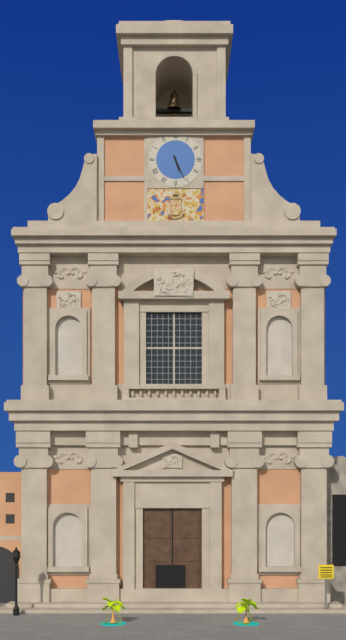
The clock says **5:26**
